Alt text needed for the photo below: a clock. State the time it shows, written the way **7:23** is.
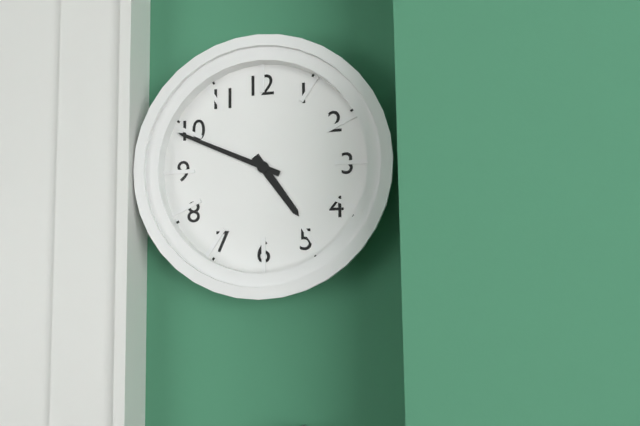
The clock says **4:49**
